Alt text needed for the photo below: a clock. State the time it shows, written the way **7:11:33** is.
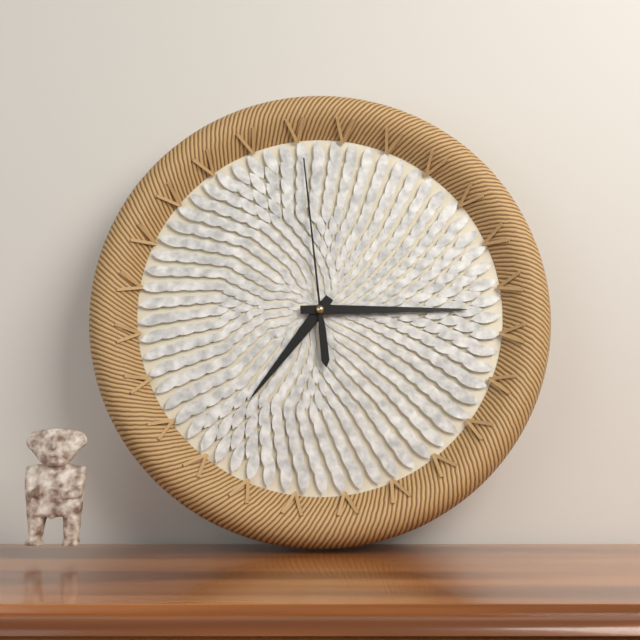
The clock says **7:15:59**
